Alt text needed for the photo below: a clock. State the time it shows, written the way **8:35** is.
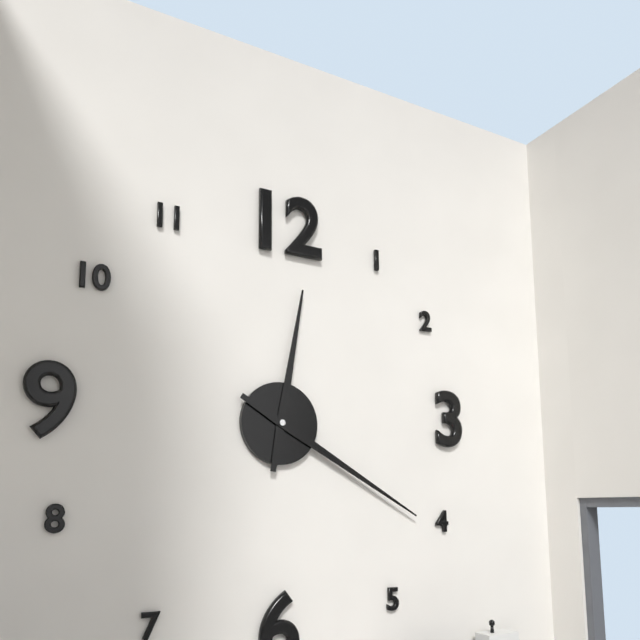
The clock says **12:20**
